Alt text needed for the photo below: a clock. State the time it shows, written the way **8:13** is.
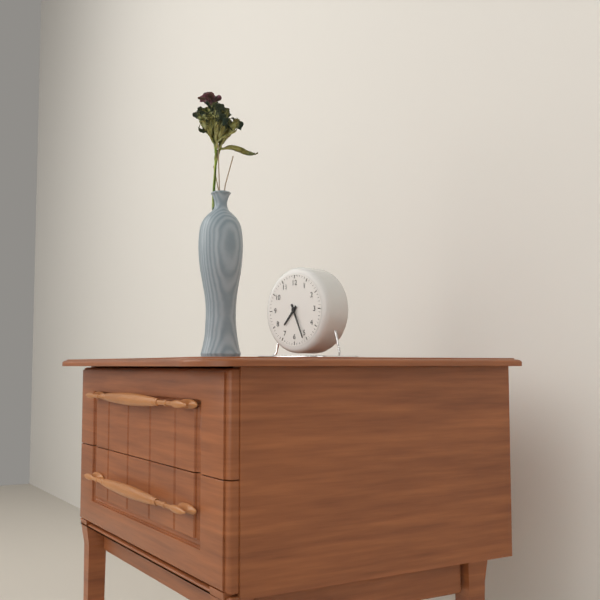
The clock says **7:26**
